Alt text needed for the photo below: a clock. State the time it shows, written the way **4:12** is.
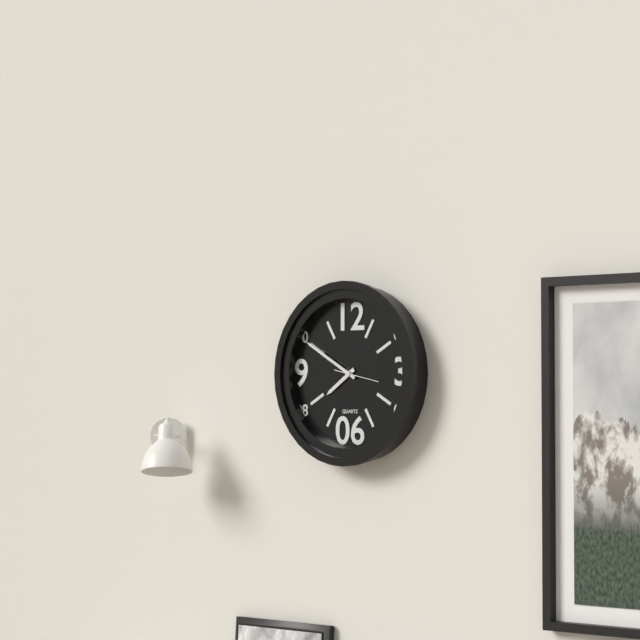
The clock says **7:50**
